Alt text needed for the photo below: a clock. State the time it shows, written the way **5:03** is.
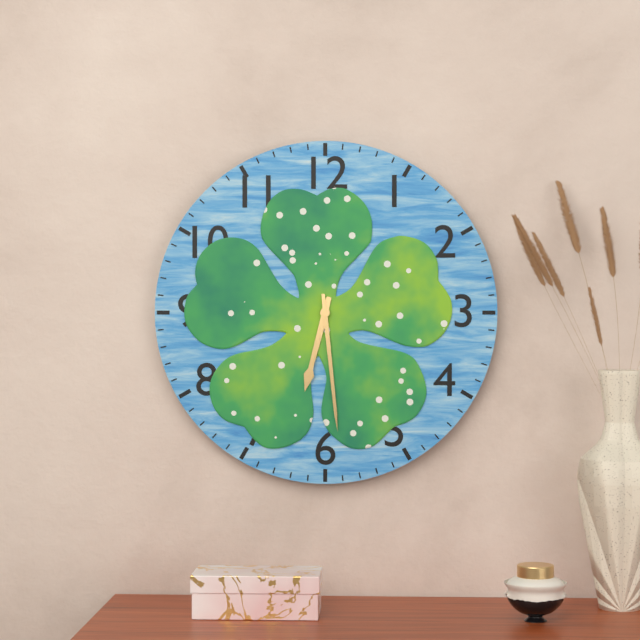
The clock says **6:29**
